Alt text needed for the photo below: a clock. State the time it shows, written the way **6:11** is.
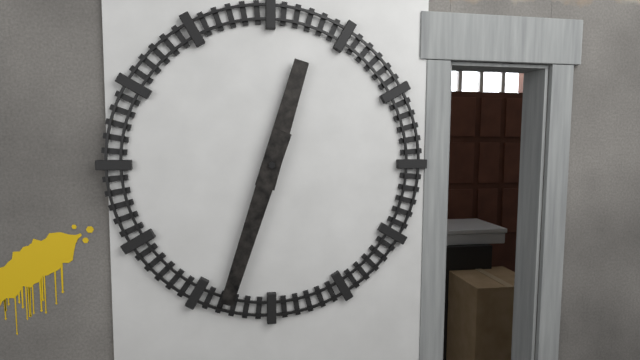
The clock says **12:33**
